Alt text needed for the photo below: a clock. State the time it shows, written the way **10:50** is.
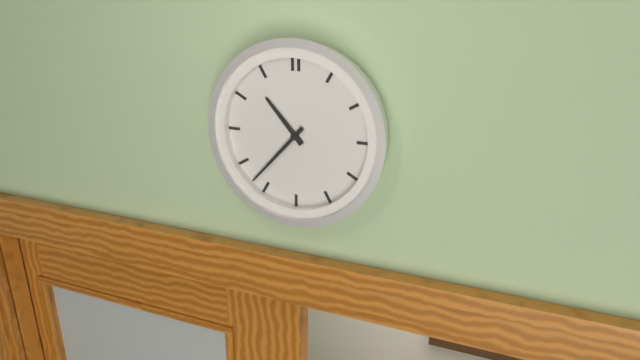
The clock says **10:37**
